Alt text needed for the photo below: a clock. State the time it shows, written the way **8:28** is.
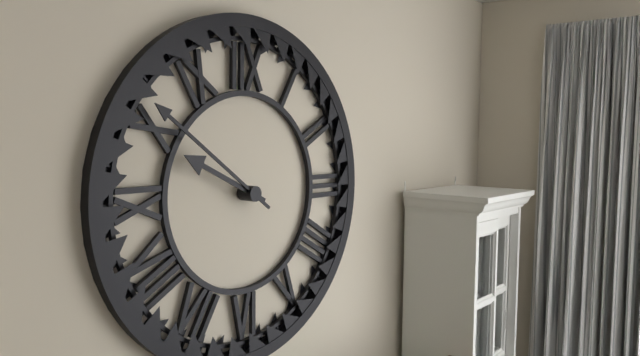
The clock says **9:51**
